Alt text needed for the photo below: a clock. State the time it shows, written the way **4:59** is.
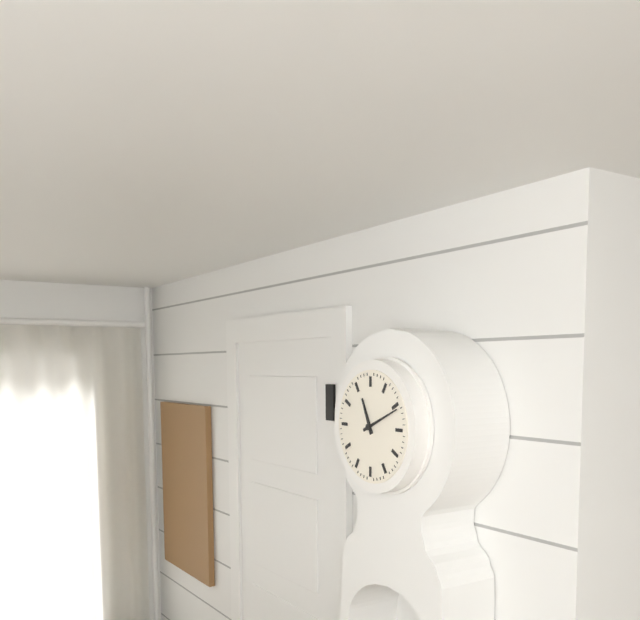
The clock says **11:11**
